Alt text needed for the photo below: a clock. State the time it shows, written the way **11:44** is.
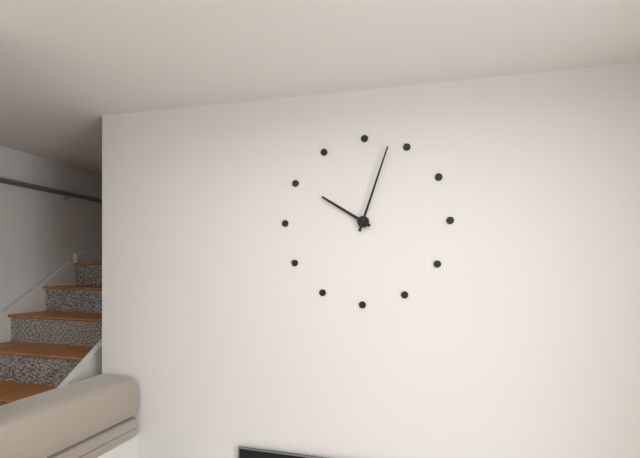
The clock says **10:03**
